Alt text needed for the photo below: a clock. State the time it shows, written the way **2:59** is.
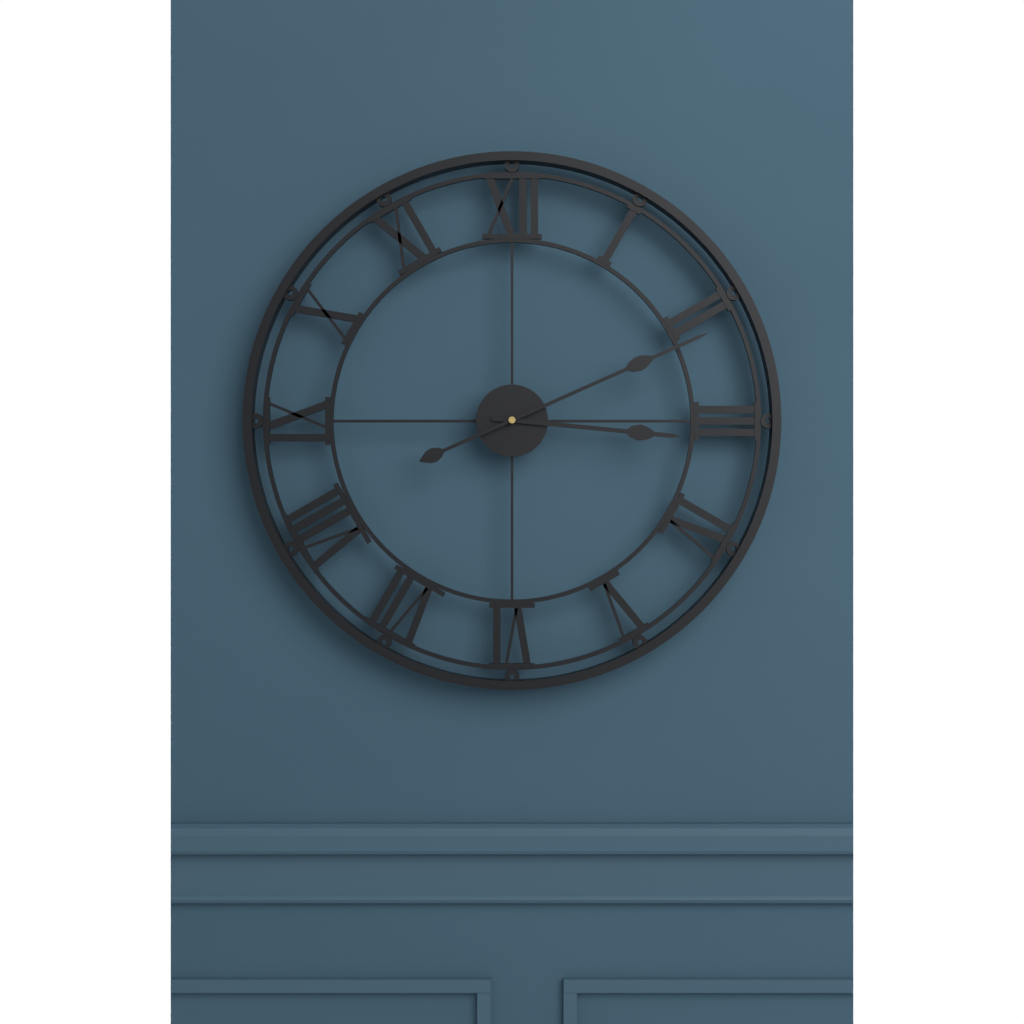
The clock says **3:11**
